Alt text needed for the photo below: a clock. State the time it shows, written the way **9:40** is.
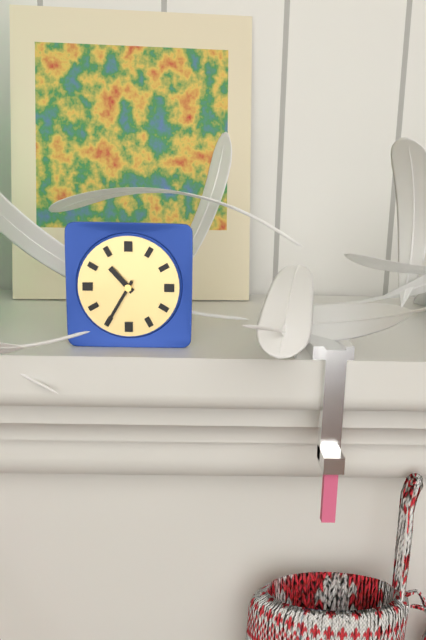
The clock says **10:35**
